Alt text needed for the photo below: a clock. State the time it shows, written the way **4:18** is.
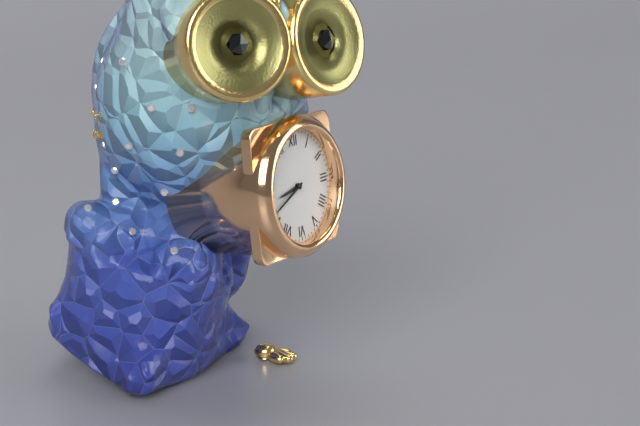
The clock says **8:41**
